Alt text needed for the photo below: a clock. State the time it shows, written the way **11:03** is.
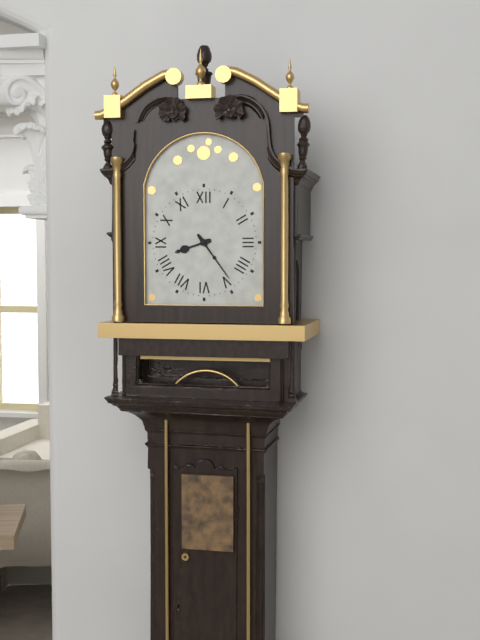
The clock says **8:24**
